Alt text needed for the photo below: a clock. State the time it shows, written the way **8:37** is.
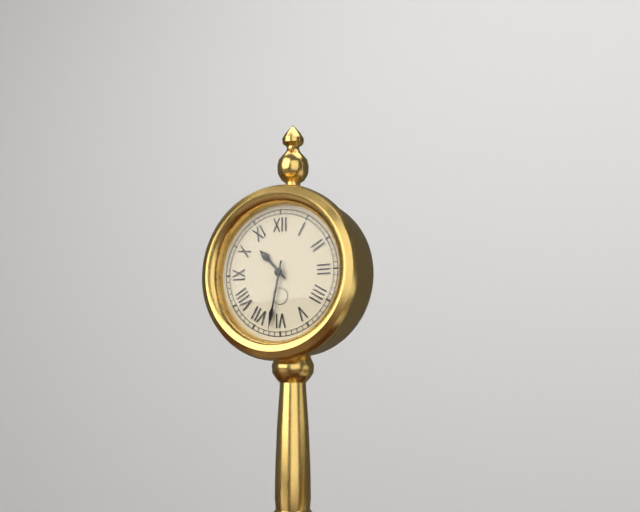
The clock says **10:32**
